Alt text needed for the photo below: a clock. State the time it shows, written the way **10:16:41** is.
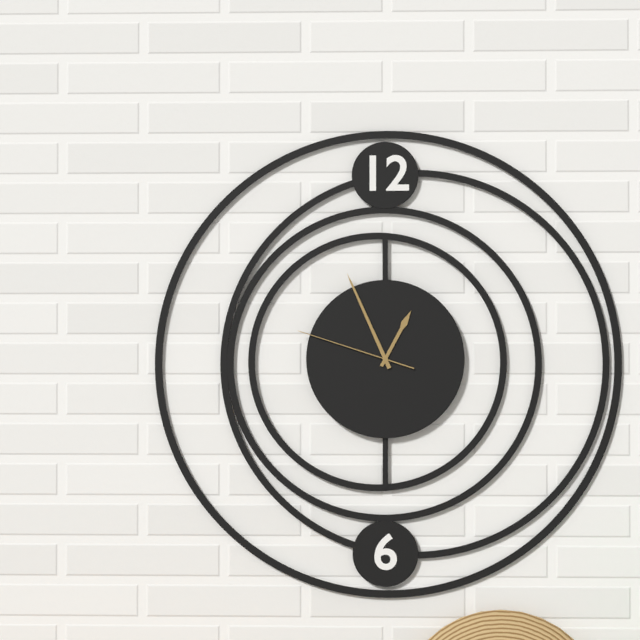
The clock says **12:56:48**
